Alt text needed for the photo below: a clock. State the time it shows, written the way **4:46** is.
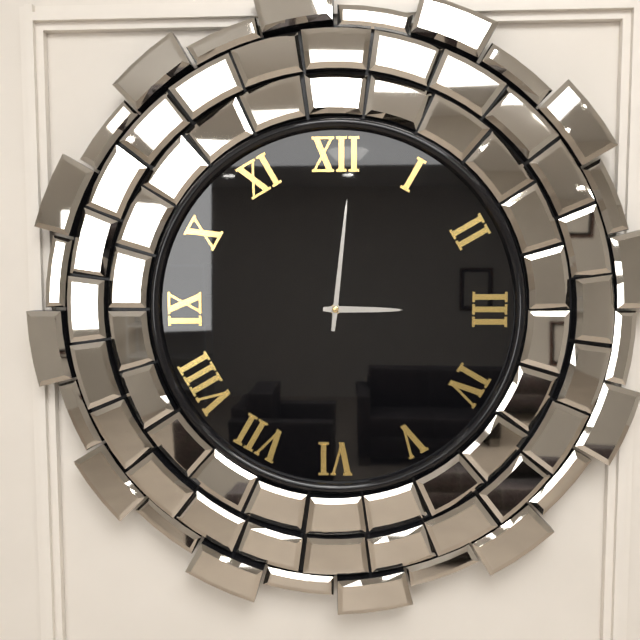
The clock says **3:01**
